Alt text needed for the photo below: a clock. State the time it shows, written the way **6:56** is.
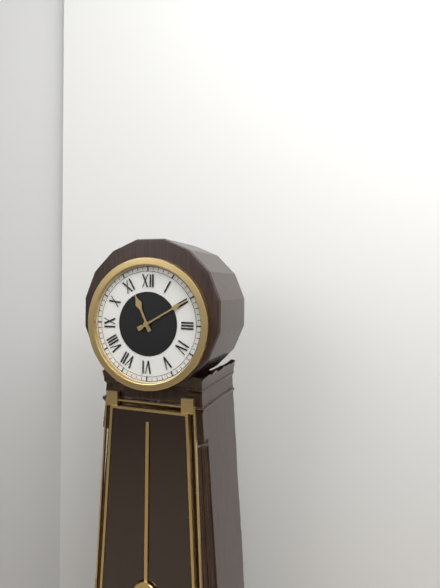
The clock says **11:10**
